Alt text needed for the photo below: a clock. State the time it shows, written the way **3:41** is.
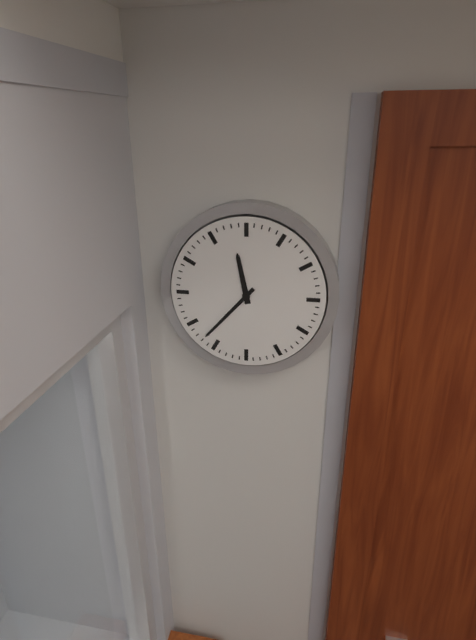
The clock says **11:37**
